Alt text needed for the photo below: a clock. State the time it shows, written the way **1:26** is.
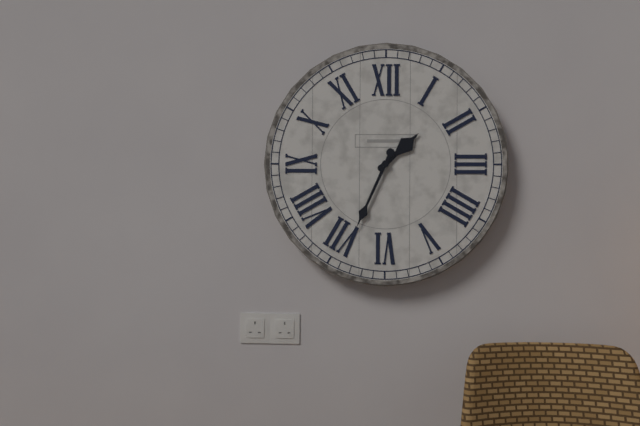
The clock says **1:34**
